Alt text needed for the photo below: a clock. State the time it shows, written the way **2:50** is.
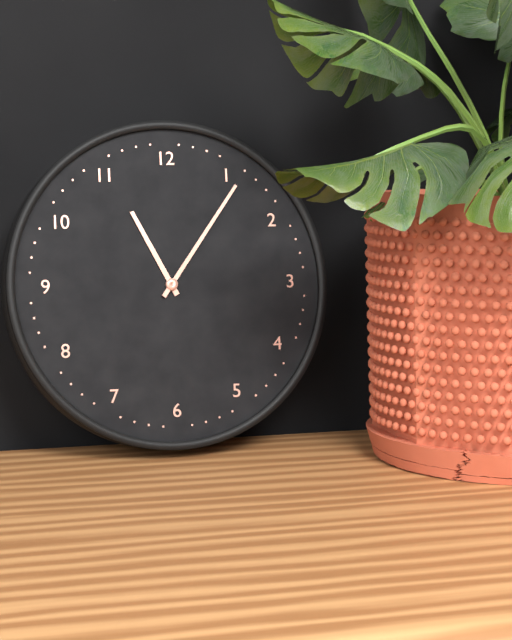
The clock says **11:06**
